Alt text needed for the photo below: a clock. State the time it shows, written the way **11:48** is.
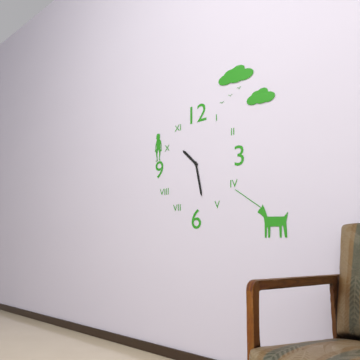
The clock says **10:28**
